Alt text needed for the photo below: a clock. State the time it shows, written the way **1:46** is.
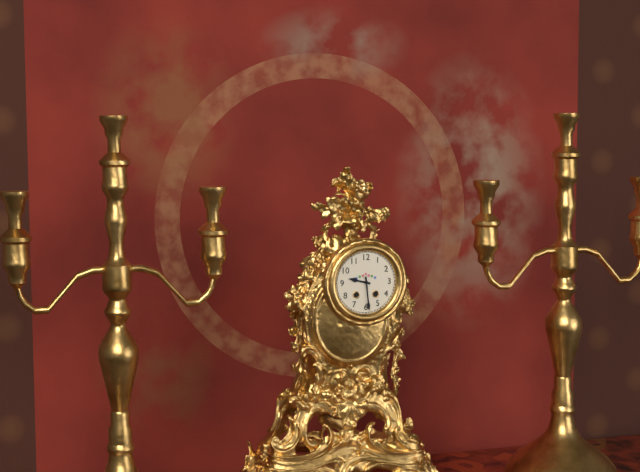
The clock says **9:29**
